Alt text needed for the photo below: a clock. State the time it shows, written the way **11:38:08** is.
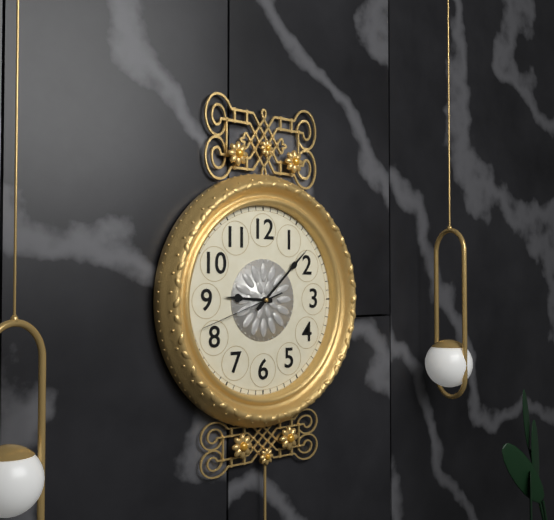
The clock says **9:08:42**
